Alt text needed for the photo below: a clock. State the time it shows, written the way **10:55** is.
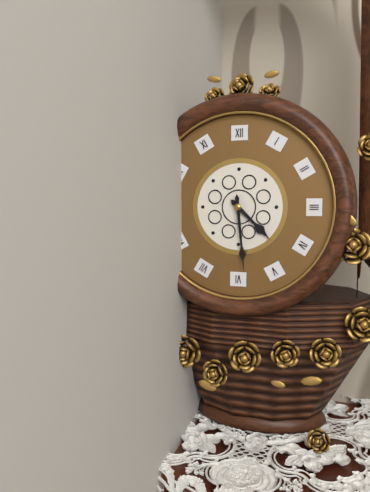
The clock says **4:29**
